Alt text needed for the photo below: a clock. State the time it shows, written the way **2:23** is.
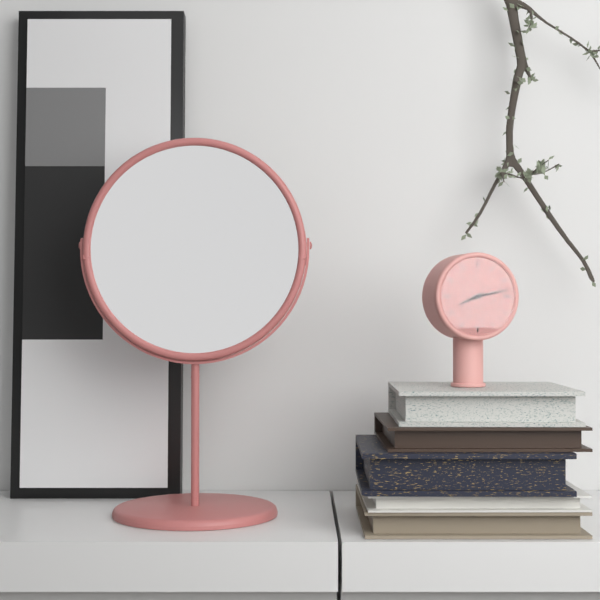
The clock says **8:13**
